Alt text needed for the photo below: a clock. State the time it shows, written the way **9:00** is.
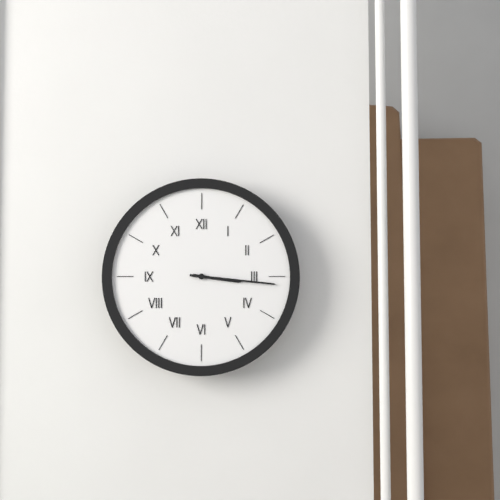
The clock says **3:16**
